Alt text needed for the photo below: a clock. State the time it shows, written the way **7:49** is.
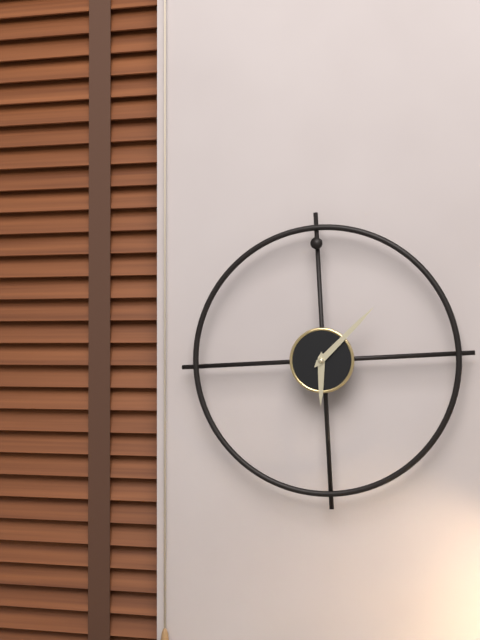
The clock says **6:08**
